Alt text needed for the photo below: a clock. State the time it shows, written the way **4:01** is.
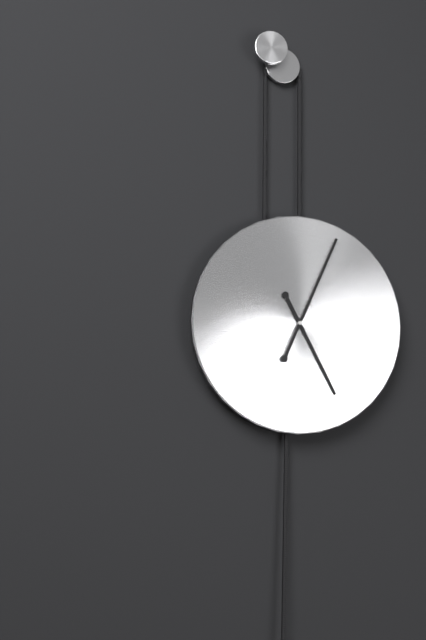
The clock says **5:04**
